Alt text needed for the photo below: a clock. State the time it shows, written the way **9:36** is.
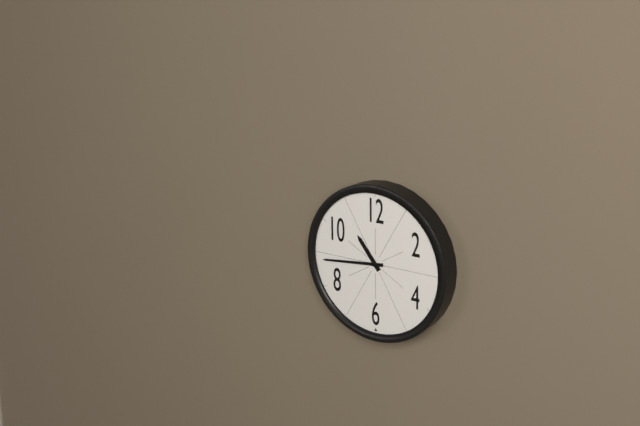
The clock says **10:44**
